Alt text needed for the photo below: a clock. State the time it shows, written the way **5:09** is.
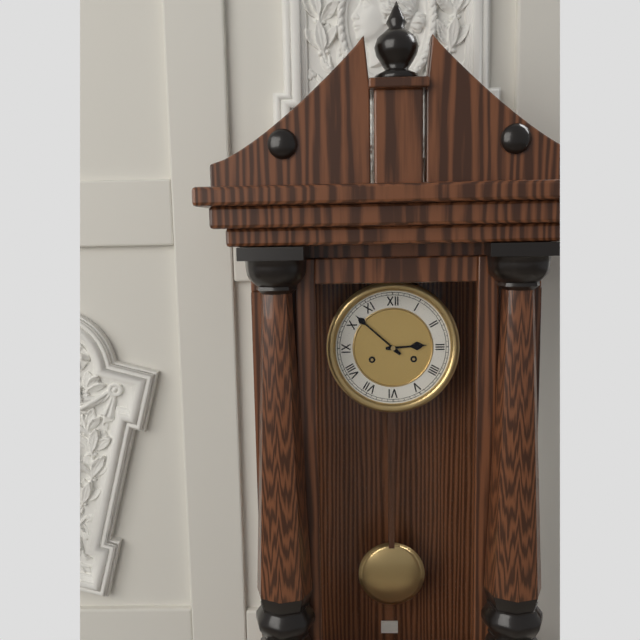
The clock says **2:52**
